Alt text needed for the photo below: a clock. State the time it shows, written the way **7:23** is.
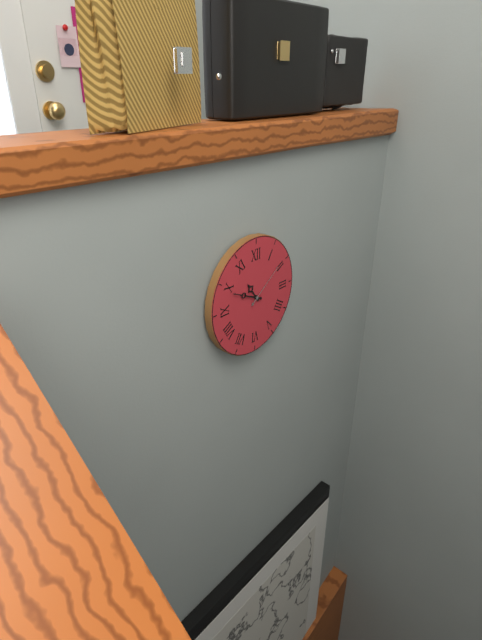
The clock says **10:49**
